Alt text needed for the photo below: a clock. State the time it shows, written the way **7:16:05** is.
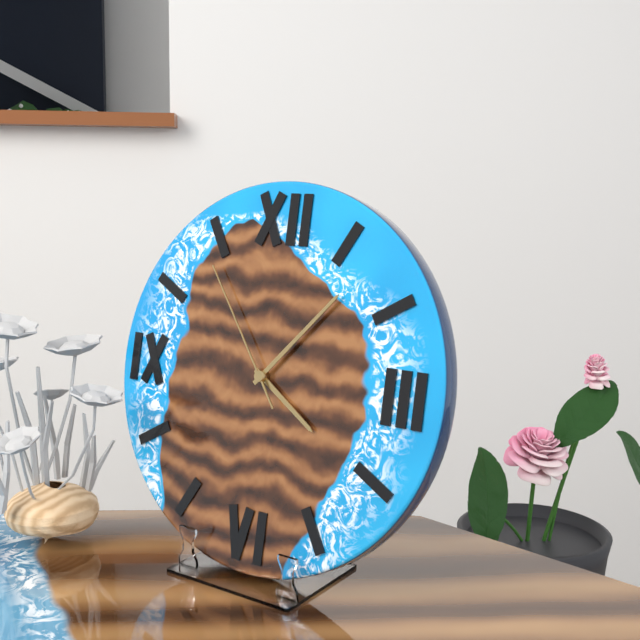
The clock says **4:07:54**
